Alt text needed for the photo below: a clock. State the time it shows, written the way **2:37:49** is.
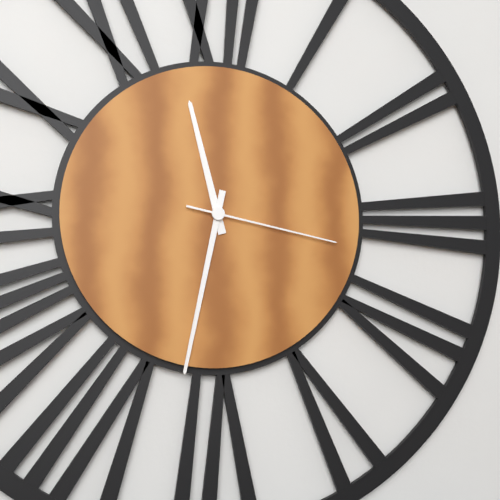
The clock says **11:32:17**
